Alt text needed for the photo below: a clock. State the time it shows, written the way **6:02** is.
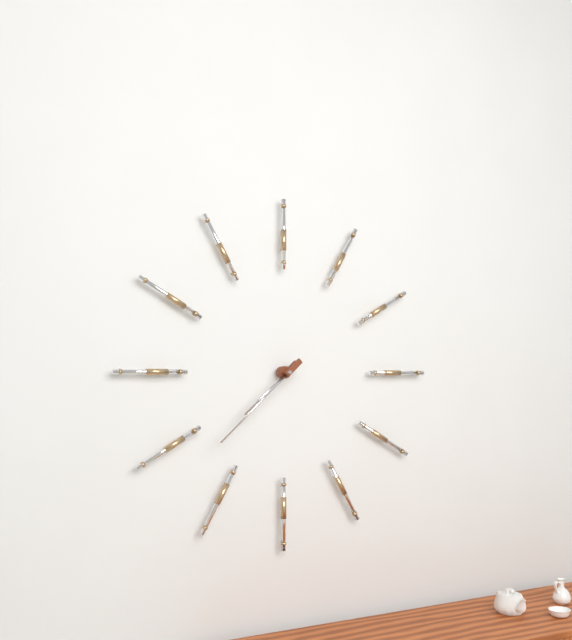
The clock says **7:38**
